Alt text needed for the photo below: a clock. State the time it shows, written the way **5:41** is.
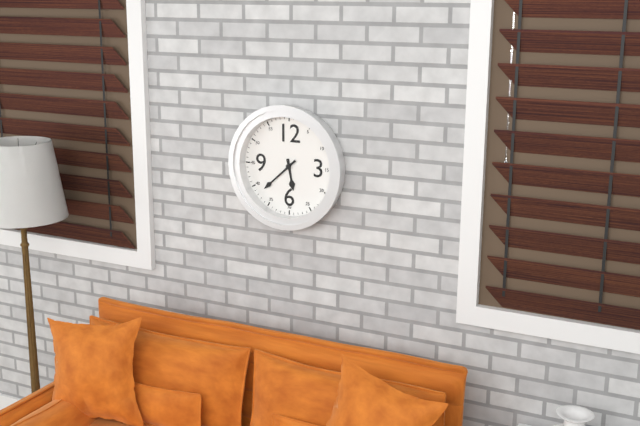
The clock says **5:38**
